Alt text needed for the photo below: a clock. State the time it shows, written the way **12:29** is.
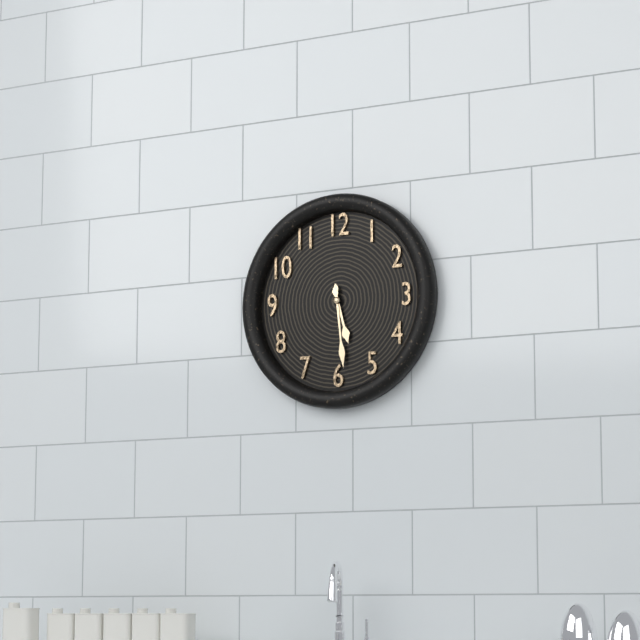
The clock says **5:29**
